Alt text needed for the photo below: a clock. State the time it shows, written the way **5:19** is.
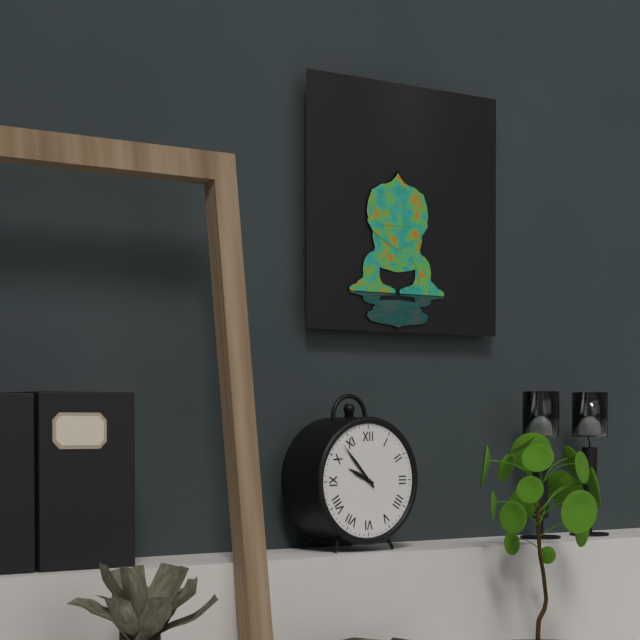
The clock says **9:53**
